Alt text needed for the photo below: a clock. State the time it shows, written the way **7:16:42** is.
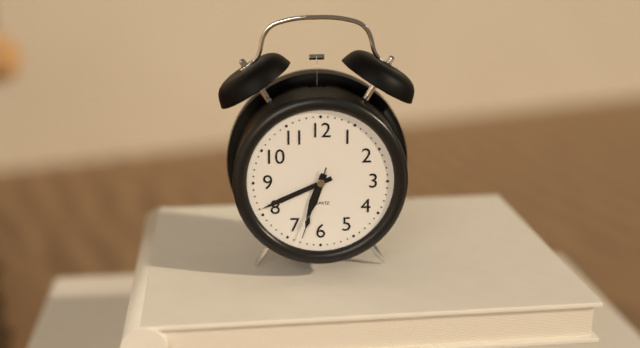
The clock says **6:41:33**
